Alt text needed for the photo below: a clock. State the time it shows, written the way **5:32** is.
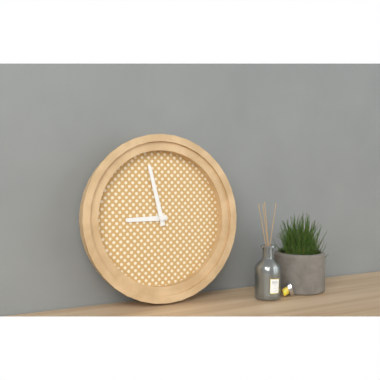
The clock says **8:58**
